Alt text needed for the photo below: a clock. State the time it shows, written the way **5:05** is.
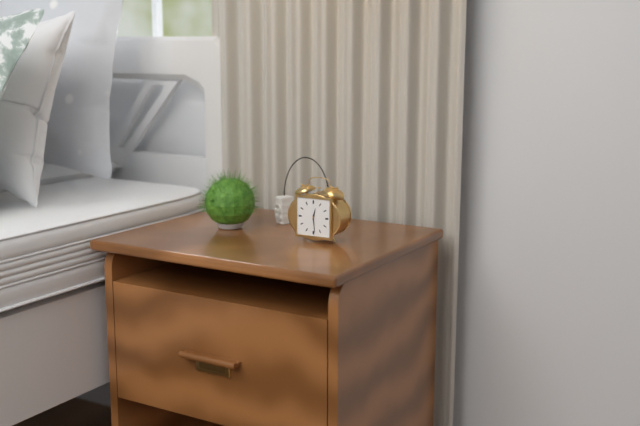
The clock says **12:29**
